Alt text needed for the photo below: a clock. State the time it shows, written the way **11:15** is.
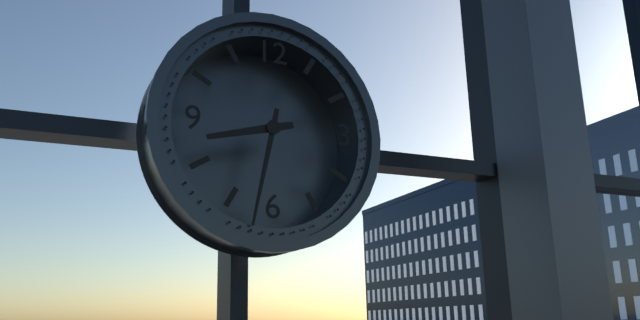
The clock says **8:32**
